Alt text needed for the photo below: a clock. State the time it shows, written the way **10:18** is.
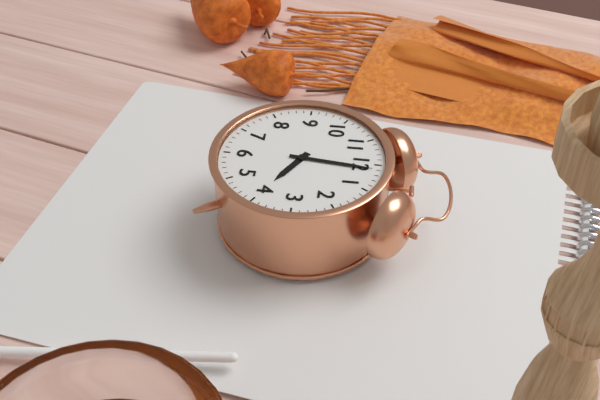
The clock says **4:01**
